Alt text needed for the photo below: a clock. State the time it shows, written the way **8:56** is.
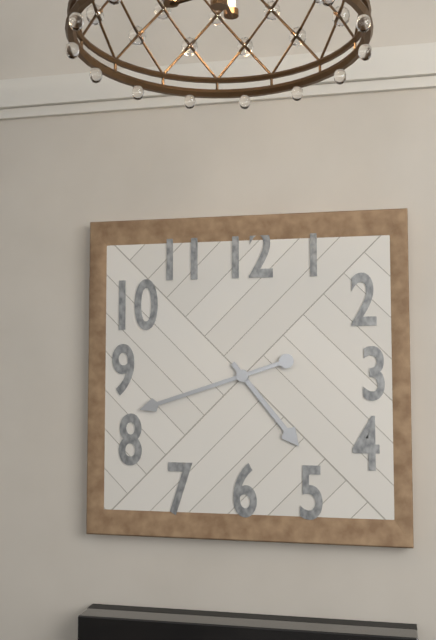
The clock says **4:42**
